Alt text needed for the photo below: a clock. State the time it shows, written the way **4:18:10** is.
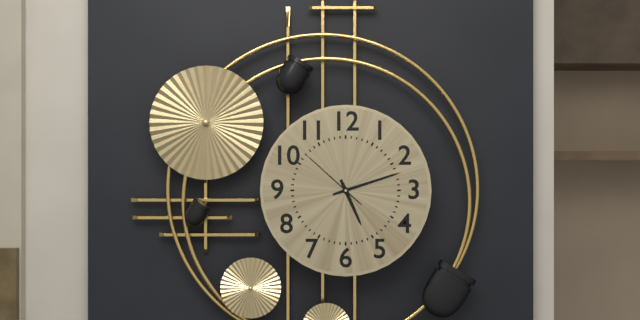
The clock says **5:12:52**
